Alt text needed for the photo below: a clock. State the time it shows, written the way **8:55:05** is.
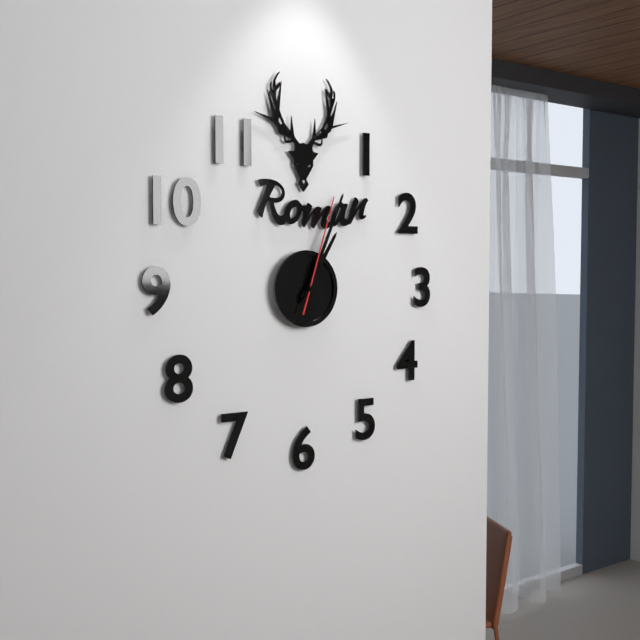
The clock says **1:04:03**
